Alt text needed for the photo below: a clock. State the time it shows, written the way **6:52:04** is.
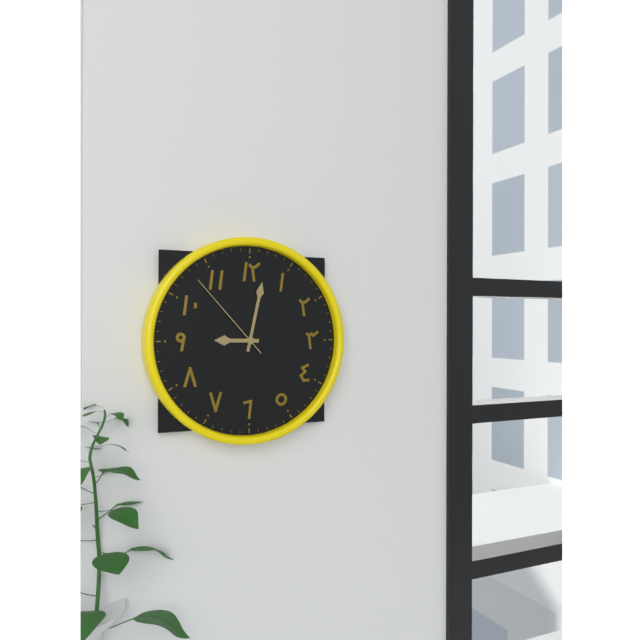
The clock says **9:02:53**
